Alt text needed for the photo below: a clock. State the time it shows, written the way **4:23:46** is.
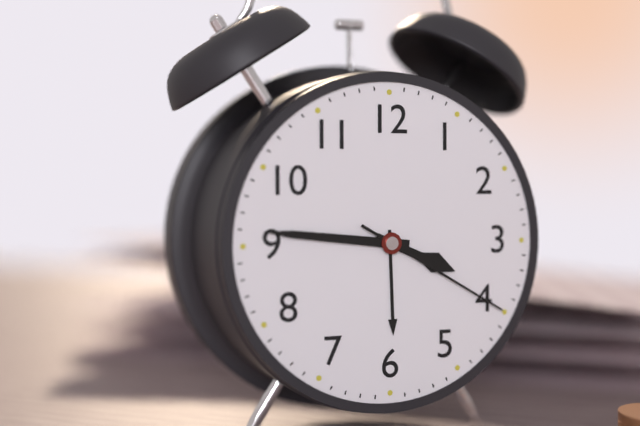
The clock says **3:46:20**
